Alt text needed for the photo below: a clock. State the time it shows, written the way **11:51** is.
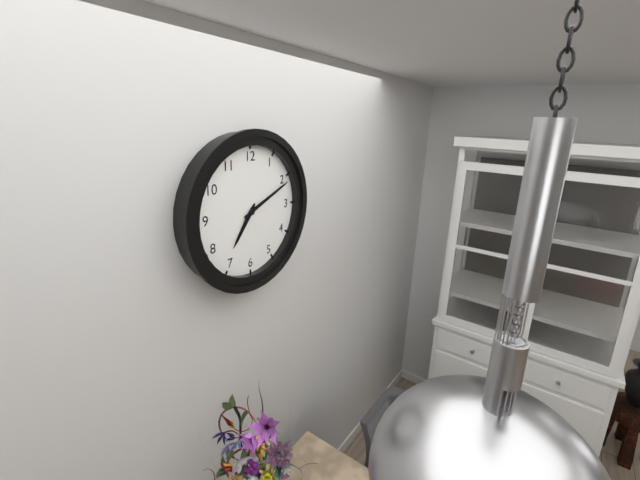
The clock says **7:11**
